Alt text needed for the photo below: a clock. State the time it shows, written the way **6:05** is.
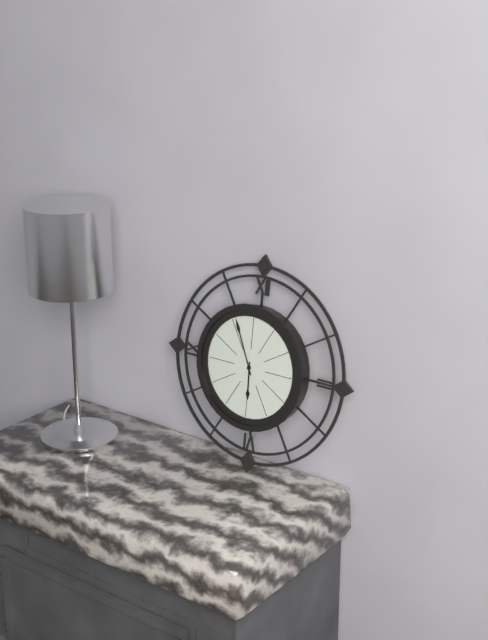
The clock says **5:56**
